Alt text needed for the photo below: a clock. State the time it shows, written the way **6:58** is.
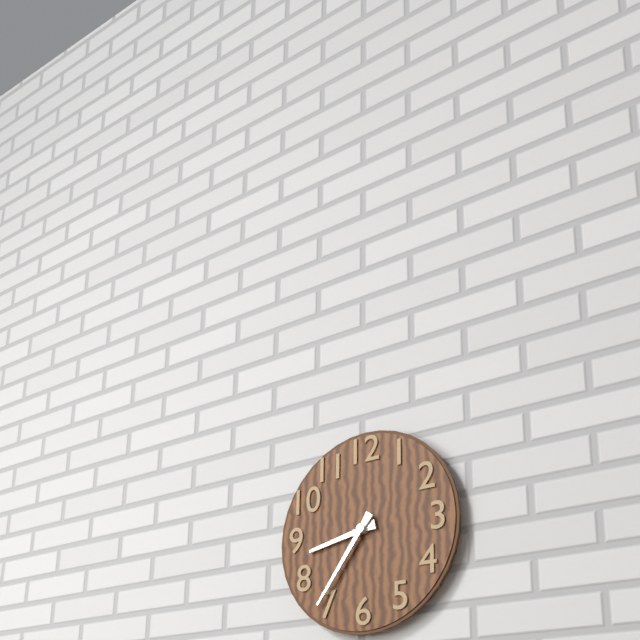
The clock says **8:36**
